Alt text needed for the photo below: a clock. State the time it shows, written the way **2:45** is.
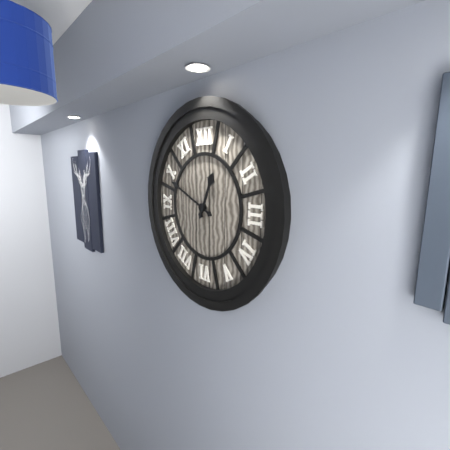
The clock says **12:49**
